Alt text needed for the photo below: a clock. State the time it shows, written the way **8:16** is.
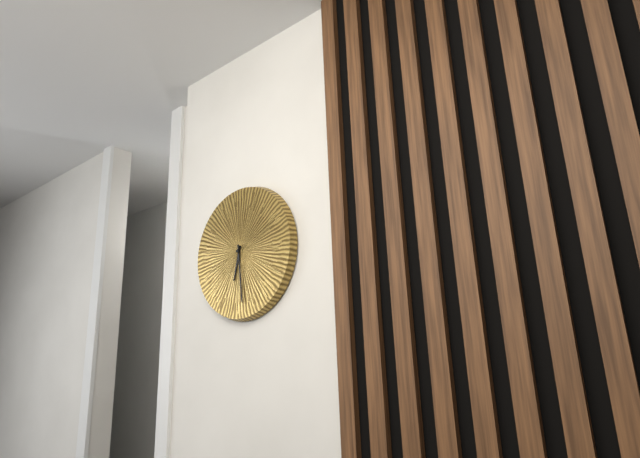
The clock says **6:29**
